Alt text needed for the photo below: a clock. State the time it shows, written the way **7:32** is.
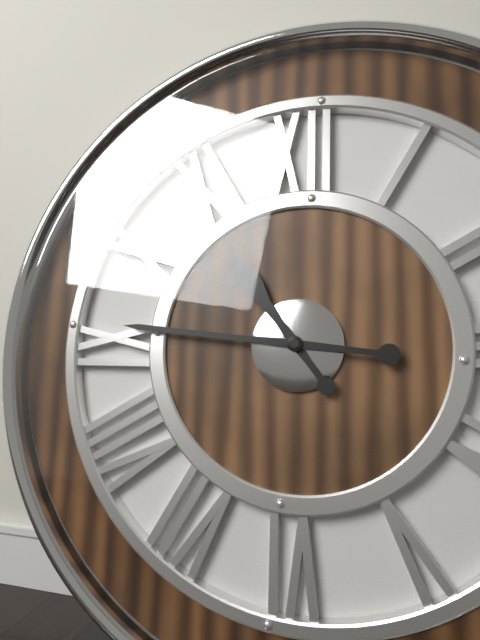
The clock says **10:46**
